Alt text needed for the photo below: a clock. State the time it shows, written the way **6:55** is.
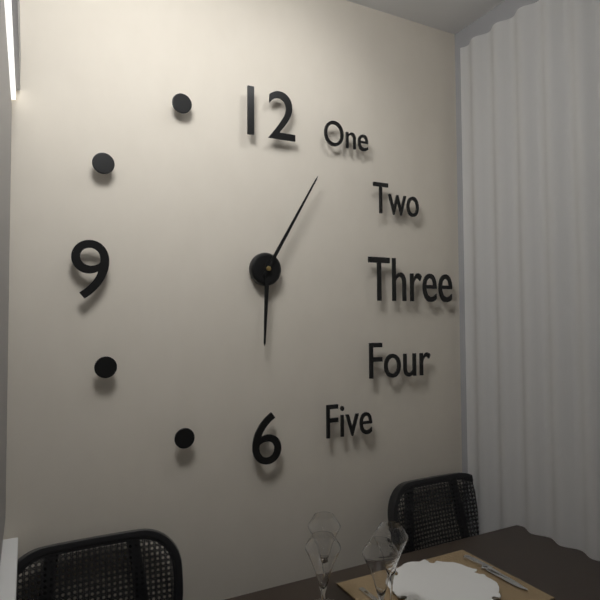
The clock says **6:05**
